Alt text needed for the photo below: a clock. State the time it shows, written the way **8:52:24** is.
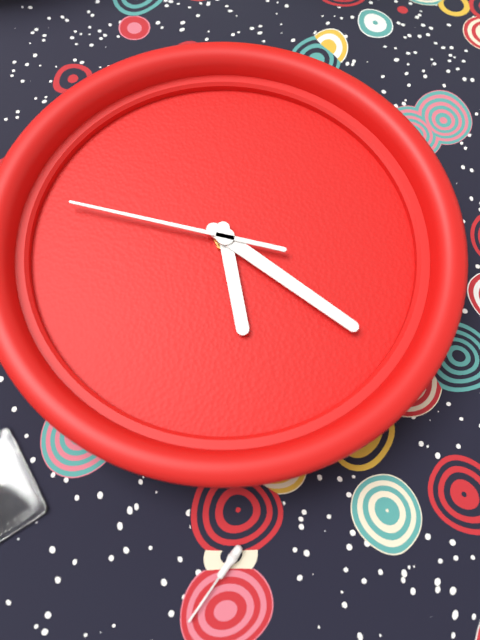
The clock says **6:25:51**
